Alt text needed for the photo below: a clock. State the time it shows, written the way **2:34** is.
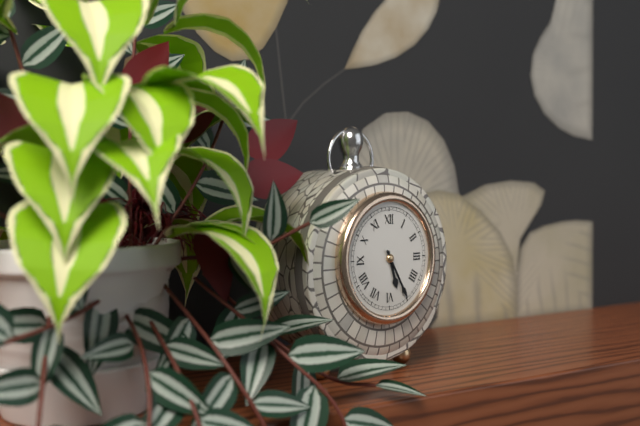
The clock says **5:25**
